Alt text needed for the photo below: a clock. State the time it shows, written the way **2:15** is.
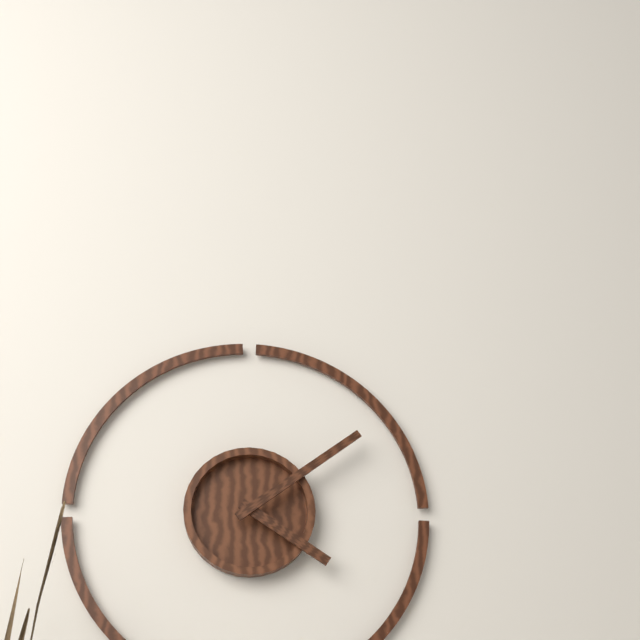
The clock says **4:09**
